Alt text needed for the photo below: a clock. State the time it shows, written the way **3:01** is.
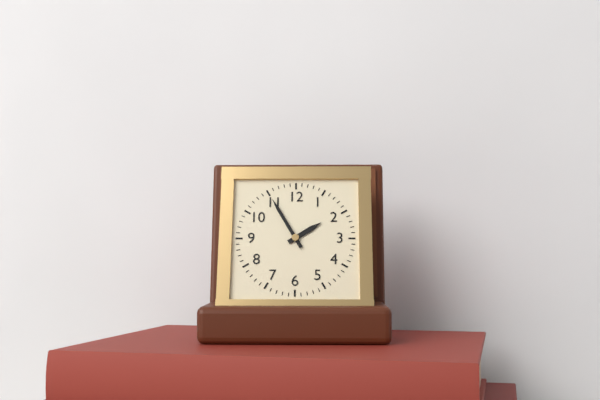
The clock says **1:55**
